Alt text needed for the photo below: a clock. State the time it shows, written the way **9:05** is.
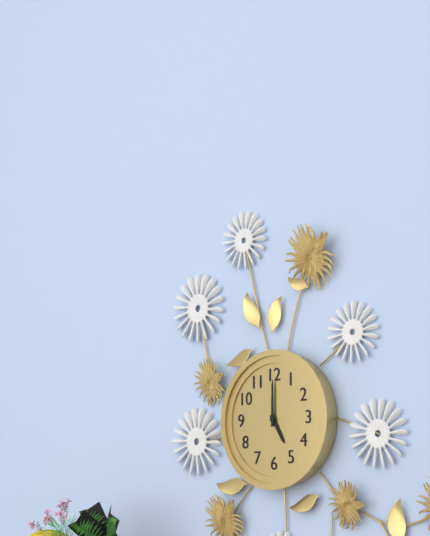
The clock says **5:00**
